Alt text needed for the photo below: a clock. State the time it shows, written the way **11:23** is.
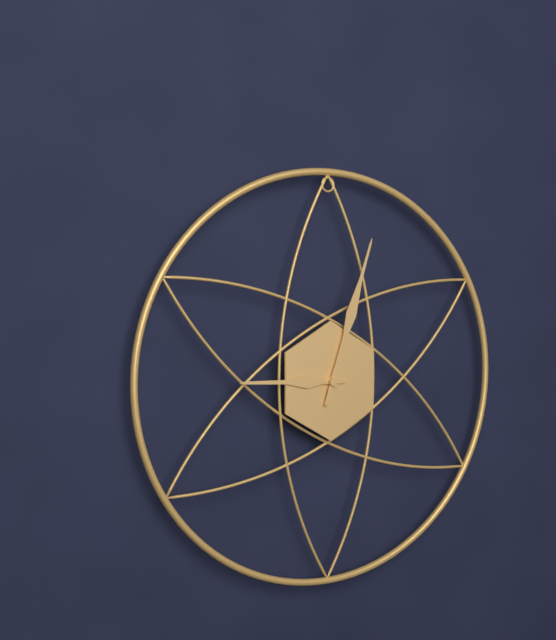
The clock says **9:03**
